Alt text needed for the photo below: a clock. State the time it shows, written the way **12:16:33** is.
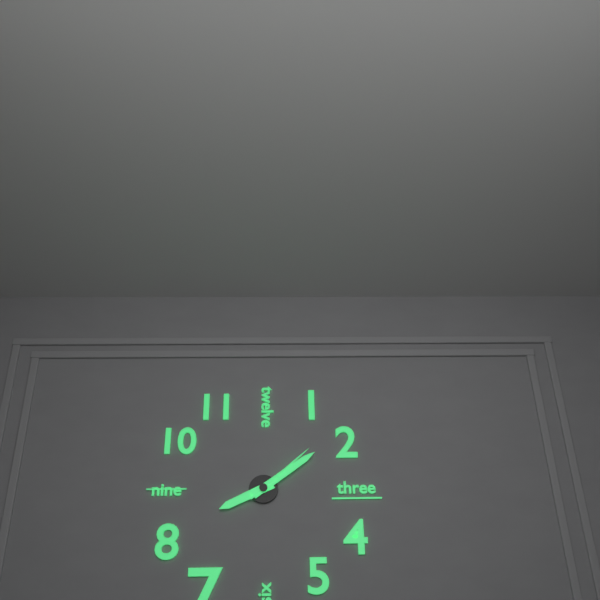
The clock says **8:09:08**
